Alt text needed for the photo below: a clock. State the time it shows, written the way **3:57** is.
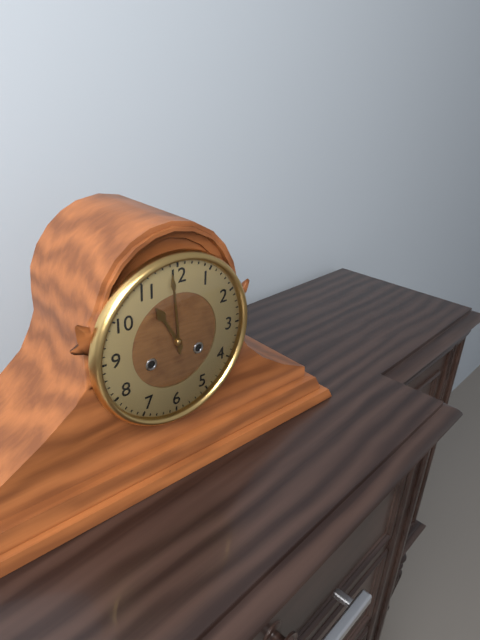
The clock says **10:59**
